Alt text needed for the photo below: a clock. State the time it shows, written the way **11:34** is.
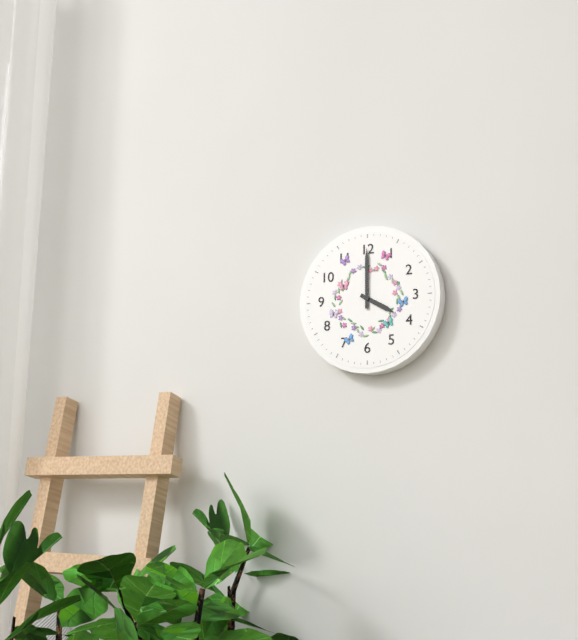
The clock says **4:00**
